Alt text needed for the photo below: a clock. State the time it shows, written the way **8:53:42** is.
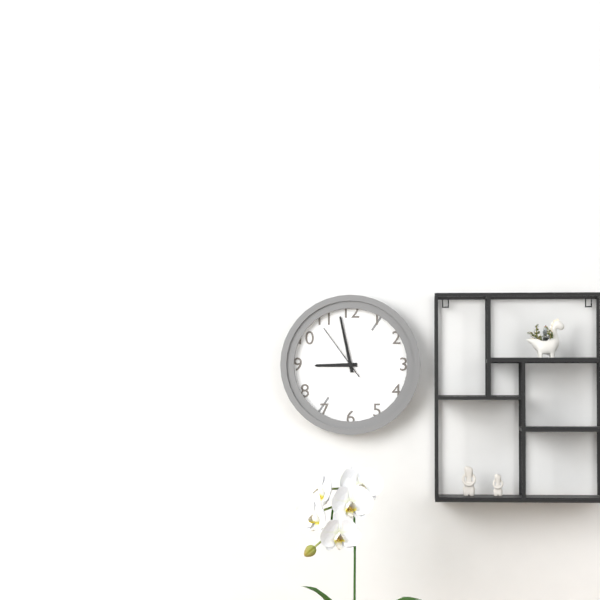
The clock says **8:58:54**
